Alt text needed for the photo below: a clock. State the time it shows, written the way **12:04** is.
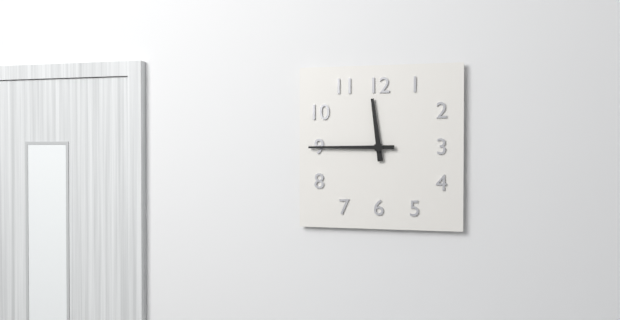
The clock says **11:45**
